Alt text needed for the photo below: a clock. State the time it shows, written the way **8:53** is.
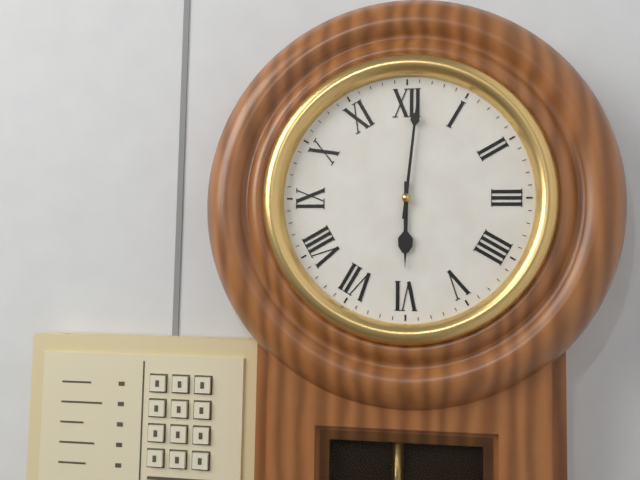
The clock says **6:01**
